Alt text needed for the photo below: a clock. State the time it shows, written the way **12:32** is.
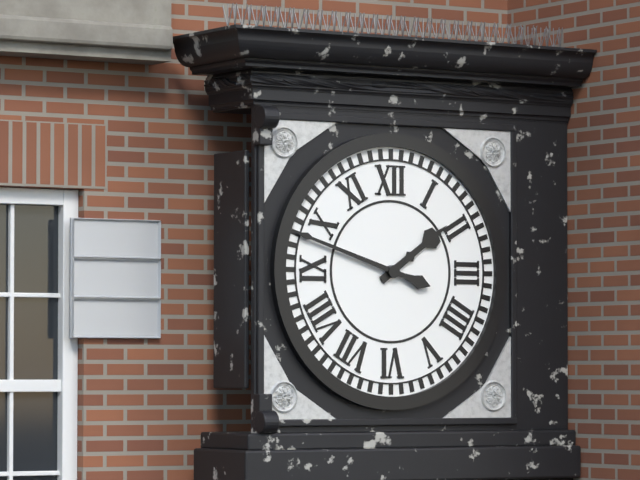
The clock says **1:48**
